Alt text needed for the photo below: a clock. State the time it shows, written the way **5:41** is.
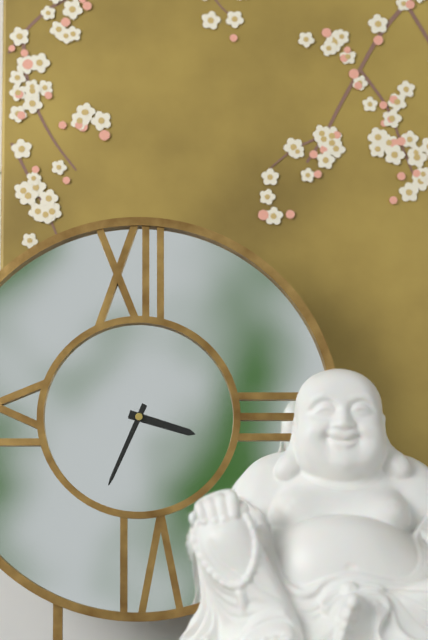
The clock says **3:34**
